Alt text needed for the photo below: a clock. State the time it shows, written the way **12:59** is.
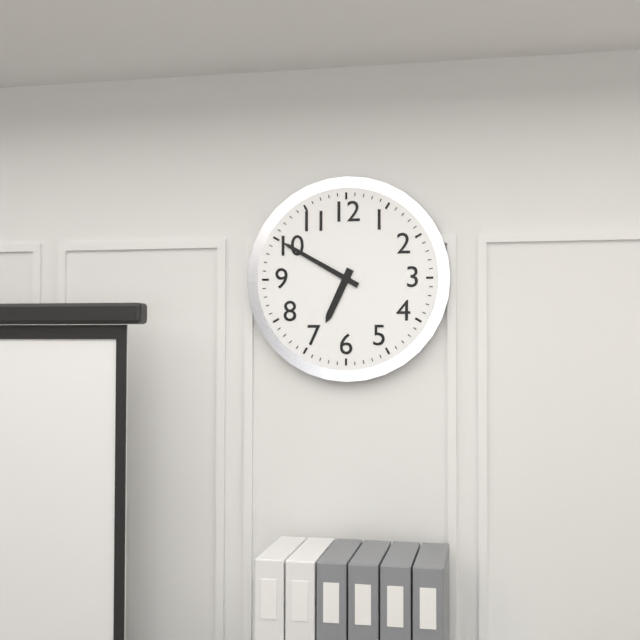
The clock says **6:50**
